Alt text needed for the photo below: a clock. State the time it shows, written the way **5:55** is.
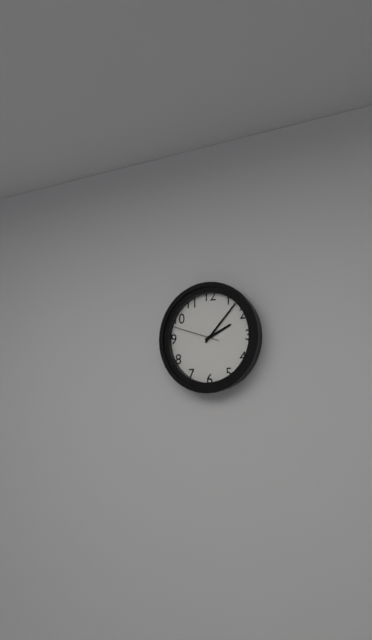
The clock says **2:07**
